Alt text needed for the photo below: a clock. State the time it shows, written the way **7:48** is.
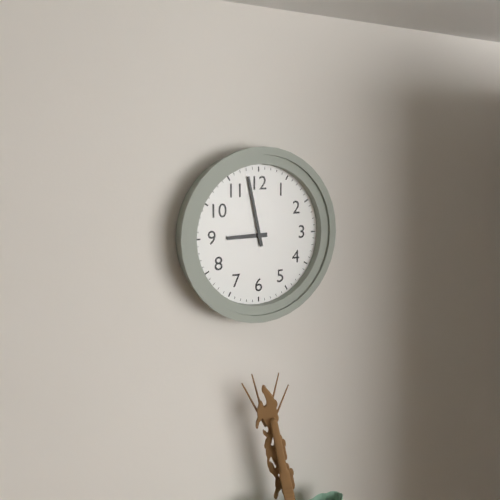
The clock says **8:58**
